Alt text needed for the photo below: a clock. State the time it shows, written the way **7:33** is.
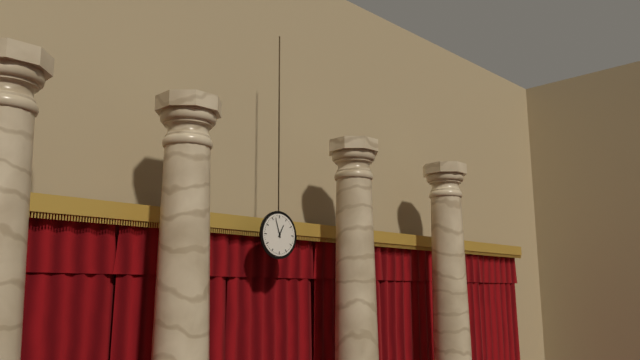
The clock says **12:57**
